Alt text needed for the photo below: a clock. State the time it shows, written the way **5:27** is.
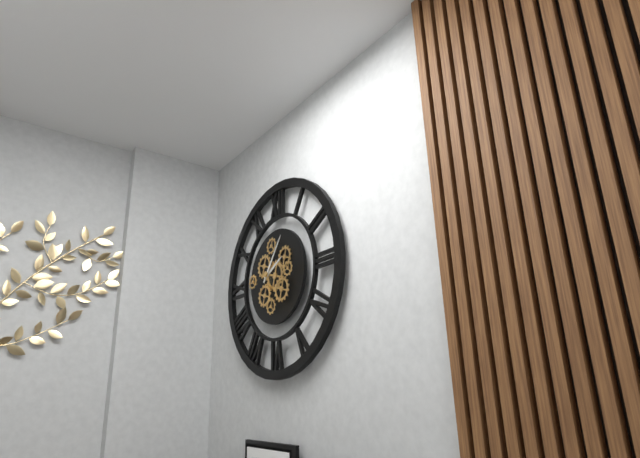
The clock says **2:06**
